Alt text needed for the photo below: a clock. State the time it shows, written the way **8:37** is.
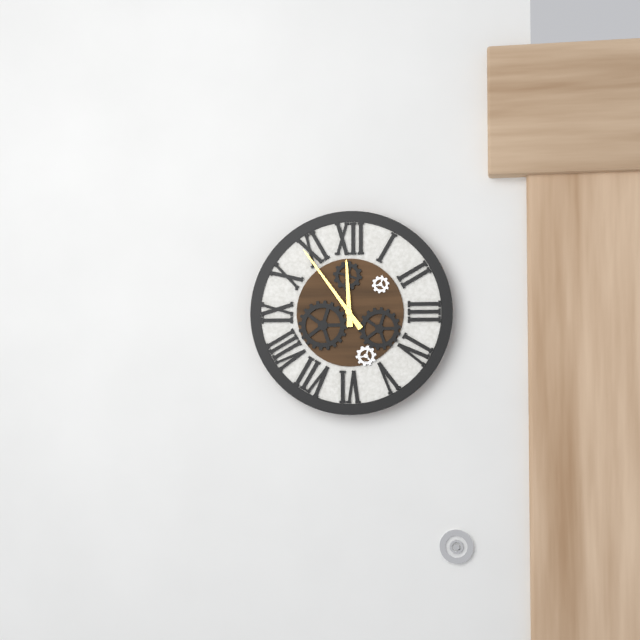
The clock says **11:54**
